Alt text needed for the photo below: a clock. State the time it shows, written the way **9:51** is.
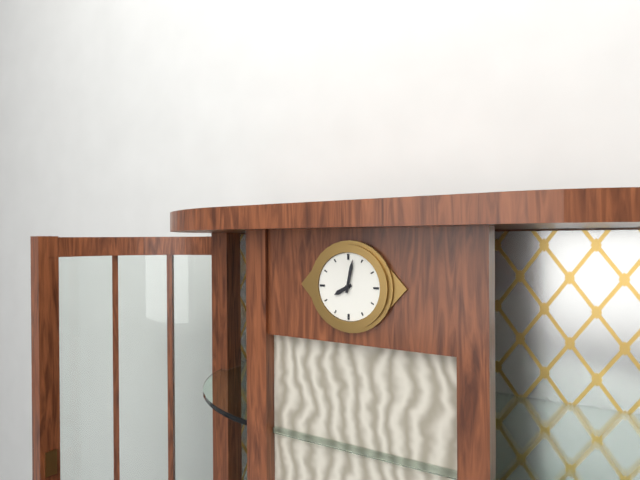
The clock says **8:02**
